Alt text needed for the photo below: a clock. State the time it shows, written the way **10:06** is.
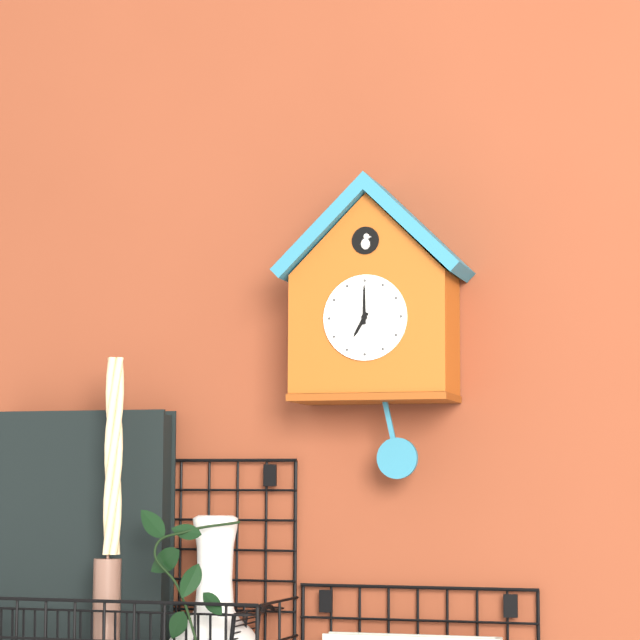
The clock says **7:00**
